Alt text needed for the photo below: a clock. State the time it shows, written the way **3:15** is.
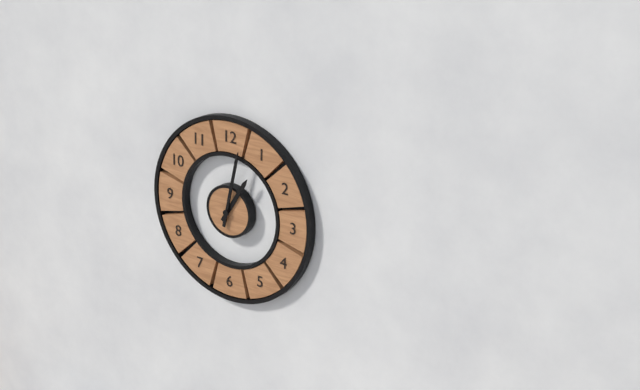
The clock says **1:02**
